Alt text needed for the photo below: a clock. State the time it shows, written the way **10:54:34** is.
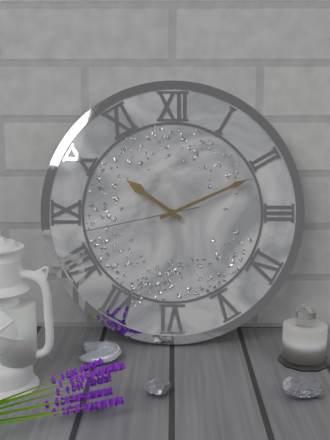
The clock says **10:11:43**
